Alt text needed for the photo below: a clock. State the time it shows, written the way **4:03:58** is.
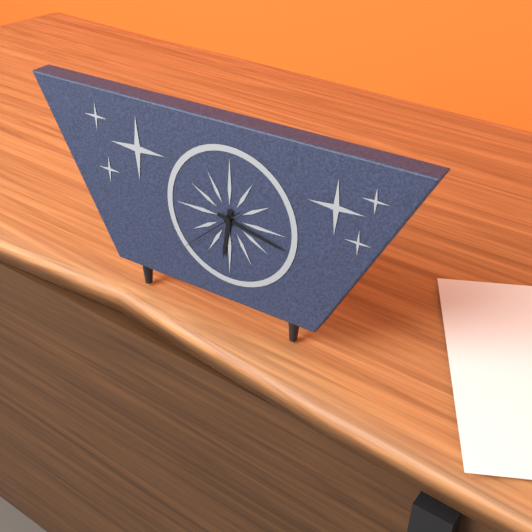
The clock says **6:17:38**
